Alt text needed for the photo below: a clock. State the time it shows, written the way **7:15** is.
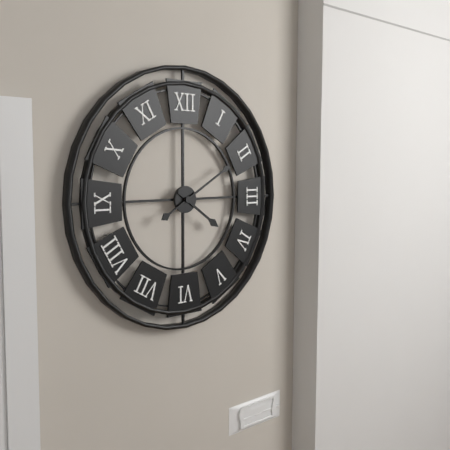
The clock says **4:10**
